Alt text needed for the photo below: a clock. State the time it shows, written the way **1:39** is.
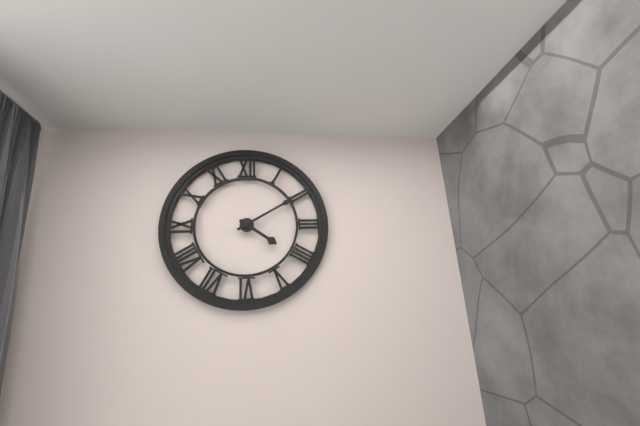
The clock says **4:10**
